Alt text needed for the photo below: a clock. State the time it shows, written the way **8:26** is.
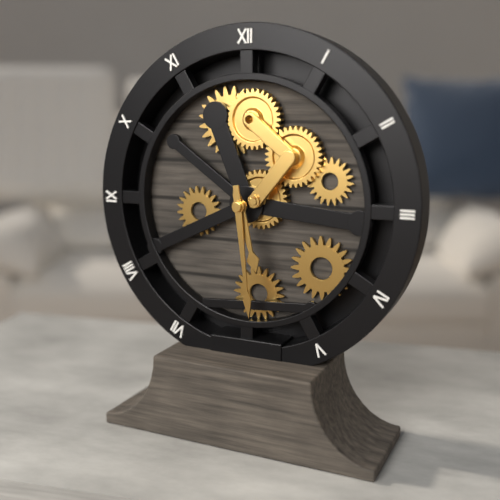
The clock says **5:29**
